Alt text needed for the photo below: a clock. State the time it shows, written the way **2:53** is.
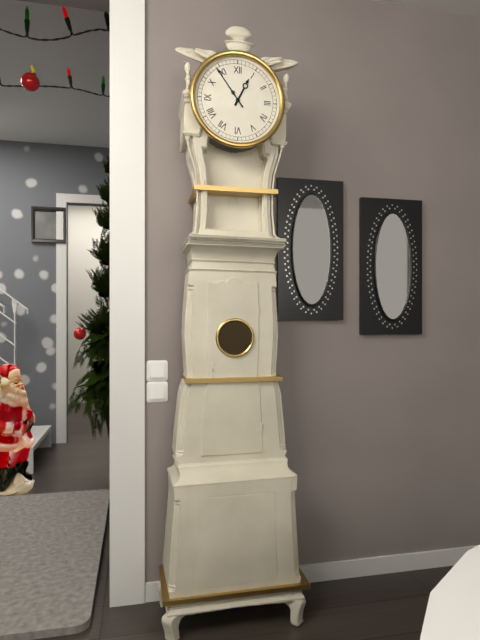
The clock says **12:54**
